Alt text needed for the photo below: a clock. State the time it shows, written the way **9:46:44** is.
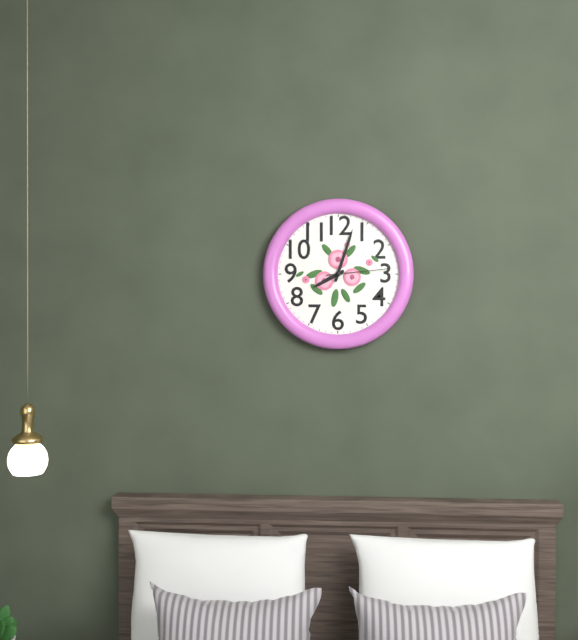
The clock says **8:03:14**
